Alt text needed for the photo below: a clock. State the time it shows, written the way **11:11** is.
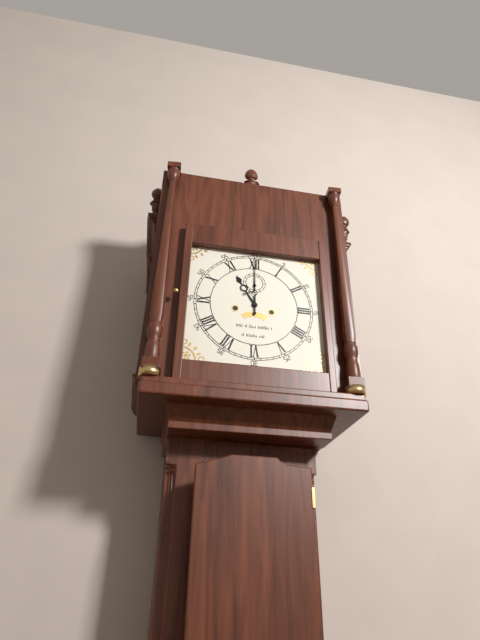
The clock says **11:00**
